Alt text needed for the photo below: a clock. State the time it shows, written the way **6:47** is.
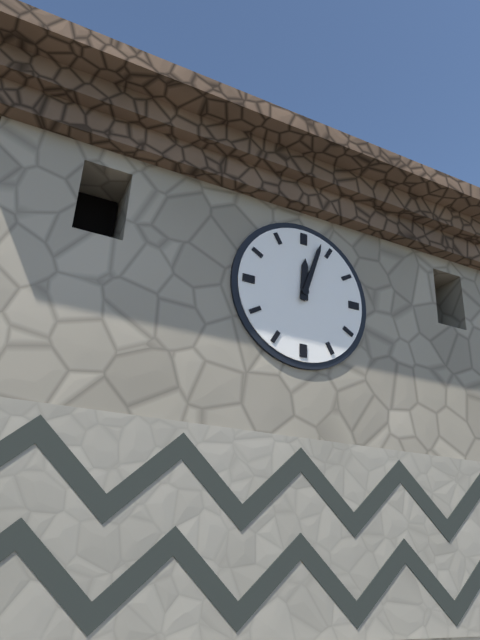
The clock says **12:03**
